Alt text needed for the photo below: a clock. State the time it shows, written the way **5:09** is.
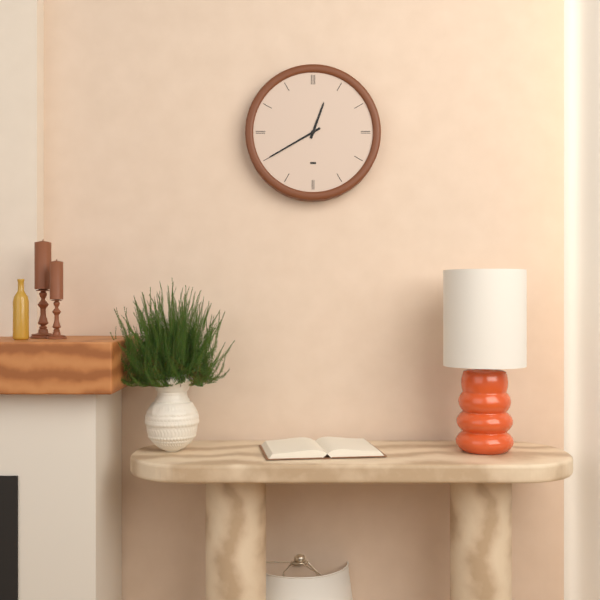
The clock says **12:40**
